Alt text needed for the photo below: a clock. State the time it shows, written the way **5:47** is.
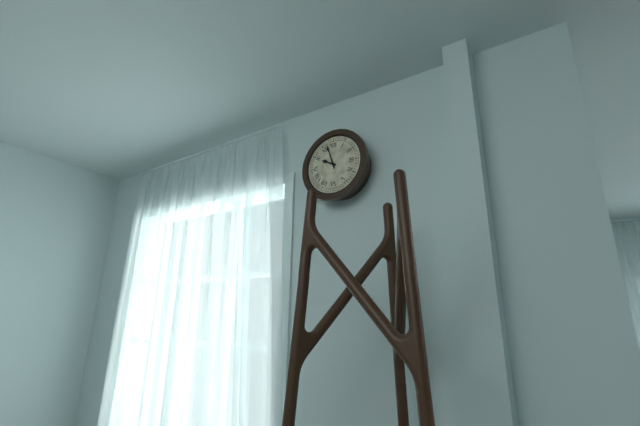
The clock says **9:57**
